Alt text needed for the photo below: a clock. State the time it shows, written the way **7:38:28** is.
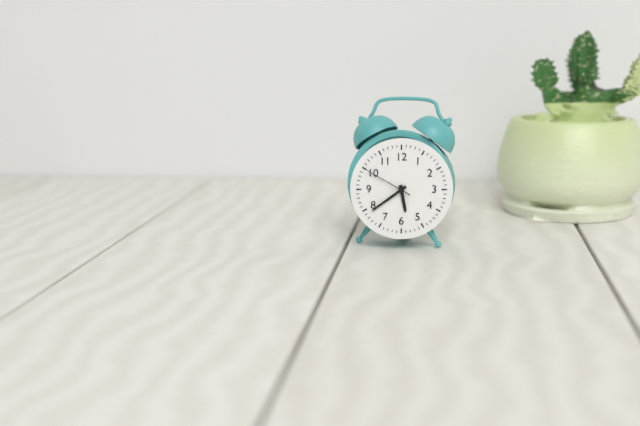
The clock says **5:39:50**
